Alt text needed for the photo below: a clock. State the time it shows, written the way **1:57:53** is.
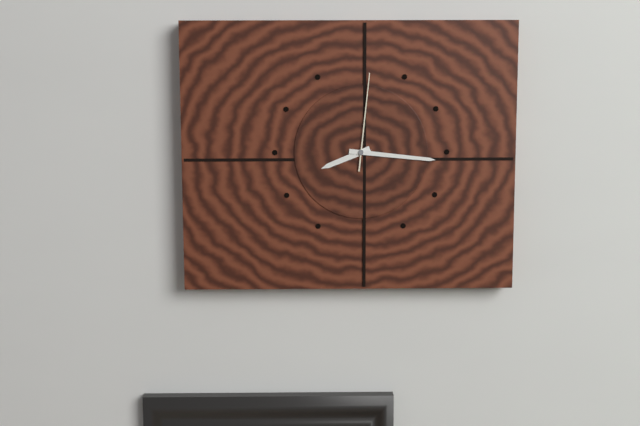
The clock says **8:16:01**
